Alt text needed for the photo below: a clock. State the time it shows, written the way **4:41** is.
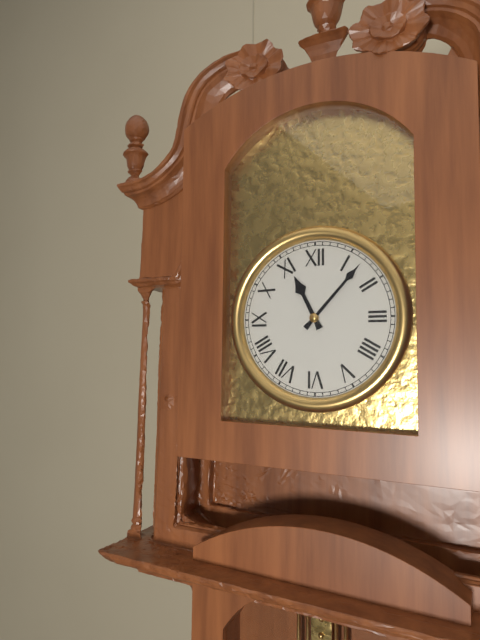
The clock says **11:07**
